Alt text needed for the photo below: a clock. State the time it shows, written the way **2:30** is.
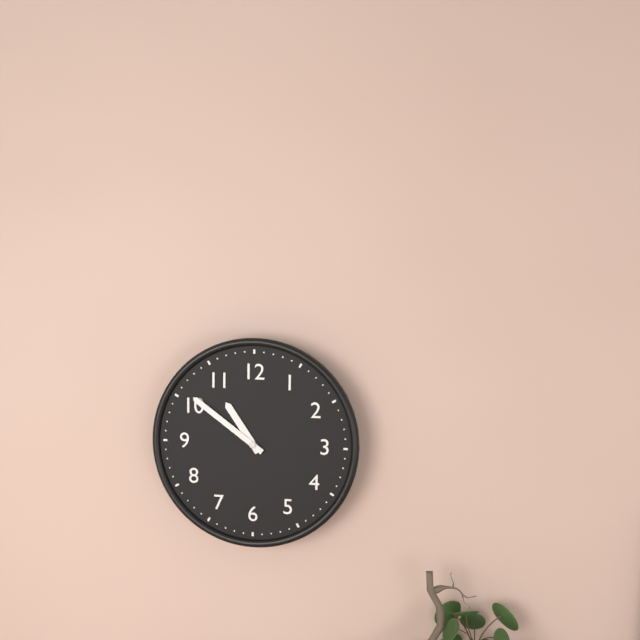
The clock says **10:51**
